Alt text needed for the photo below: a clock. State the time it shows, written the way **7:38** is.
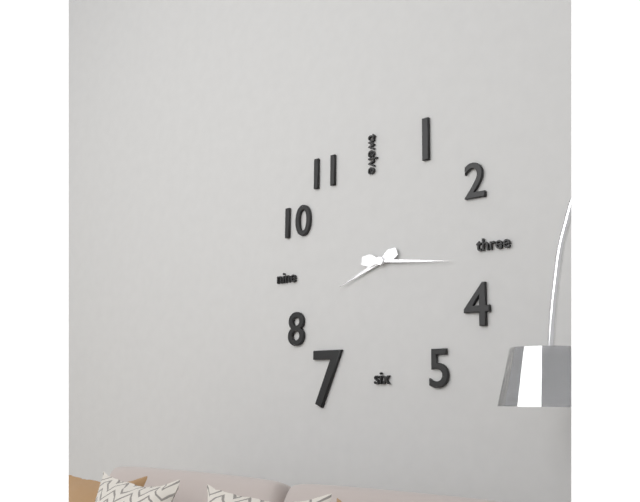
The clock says **8:16**
